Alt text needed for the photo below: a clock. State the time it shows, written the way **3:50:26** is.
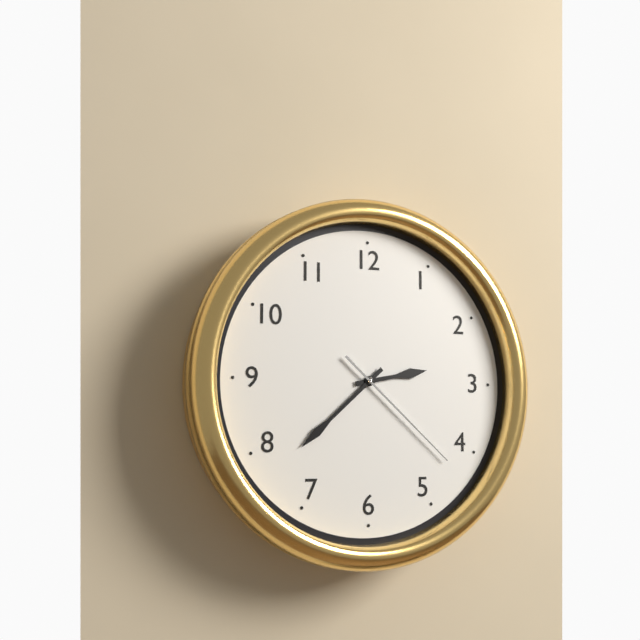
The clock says **2:38:22**
